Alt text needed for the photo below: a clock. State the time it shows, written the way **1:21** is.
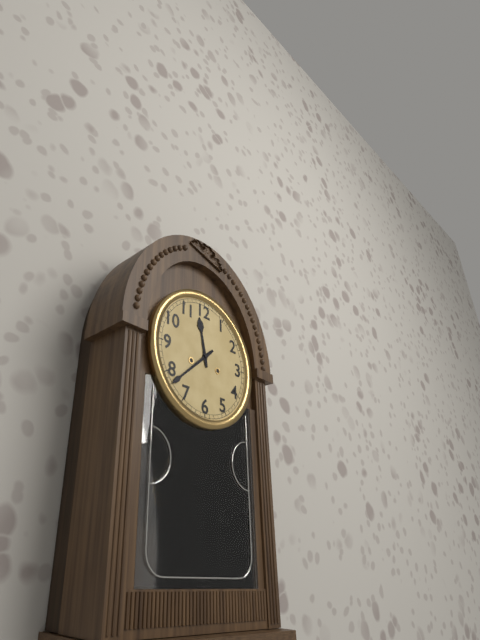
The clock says **11:38**
